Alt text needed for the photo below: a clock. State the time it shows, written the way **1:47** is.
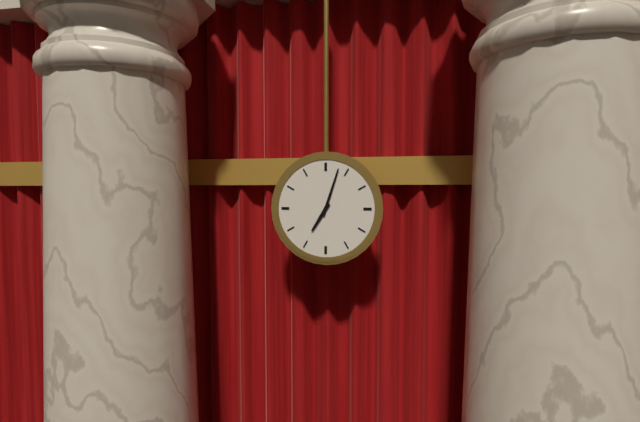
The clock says **7:03**
